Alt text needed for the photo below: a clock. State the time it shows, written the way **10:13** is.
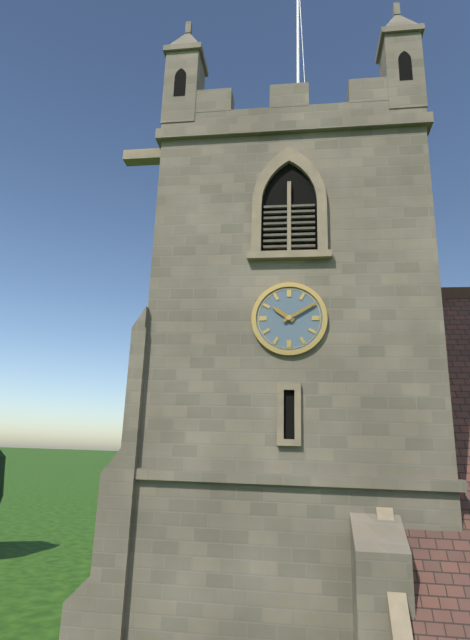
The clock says **10:10**
